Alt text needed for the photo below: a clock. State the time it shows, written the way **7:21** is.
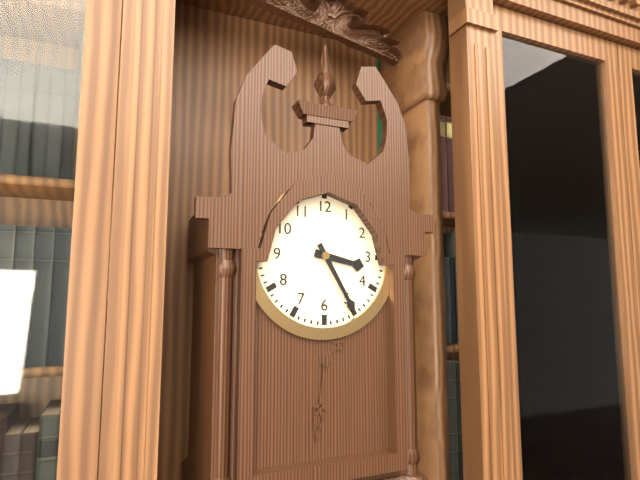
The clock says **3:25**
